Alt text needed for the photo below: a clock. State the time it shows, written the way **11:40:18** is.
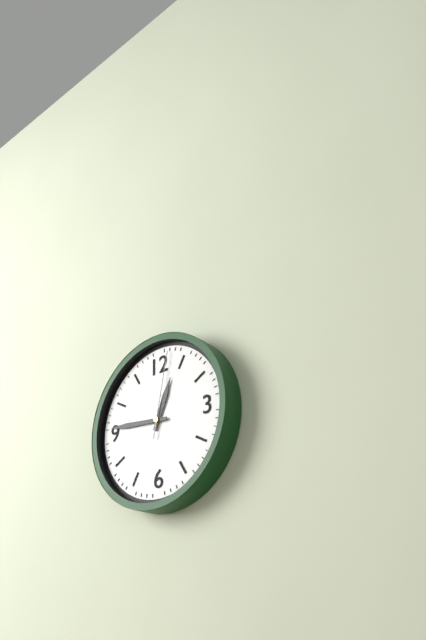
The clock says **12:46:02**
